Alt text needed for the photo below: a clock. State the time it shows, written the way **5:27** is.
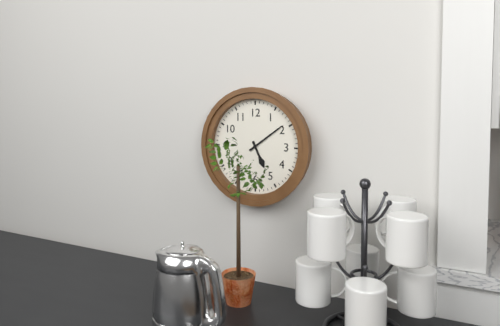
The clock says **5:09**
